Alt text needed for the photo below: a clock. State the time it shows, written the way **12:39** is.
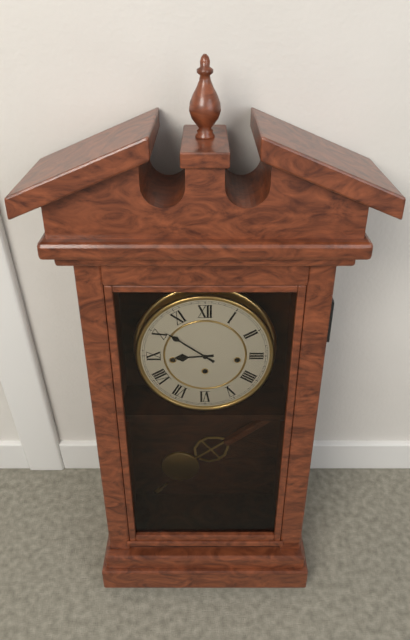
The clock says **8:51**
